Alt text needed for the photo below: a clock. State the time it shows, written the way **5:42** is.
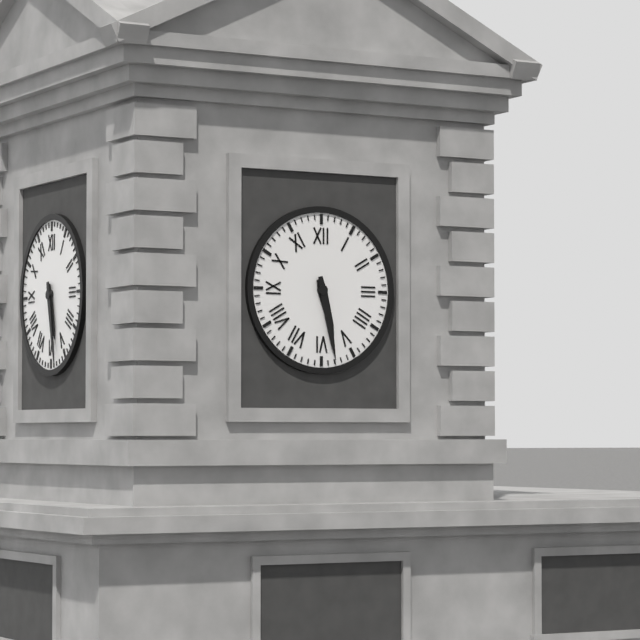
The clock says **5:28**
